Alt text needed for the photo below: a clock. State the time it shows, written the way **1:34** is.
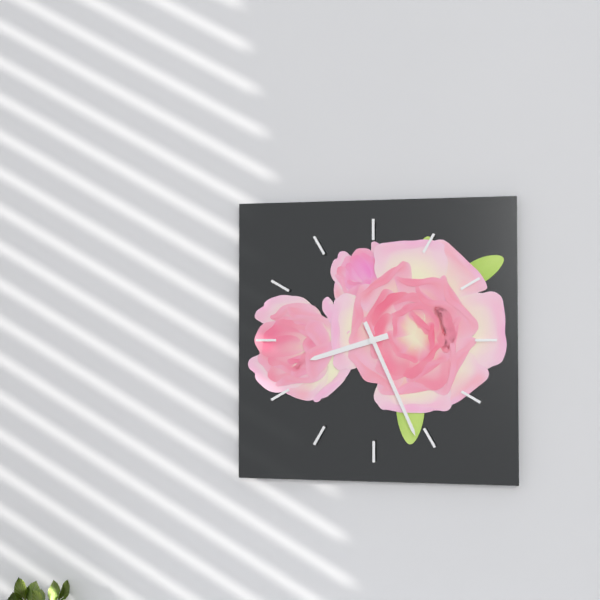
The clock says **8:26**
